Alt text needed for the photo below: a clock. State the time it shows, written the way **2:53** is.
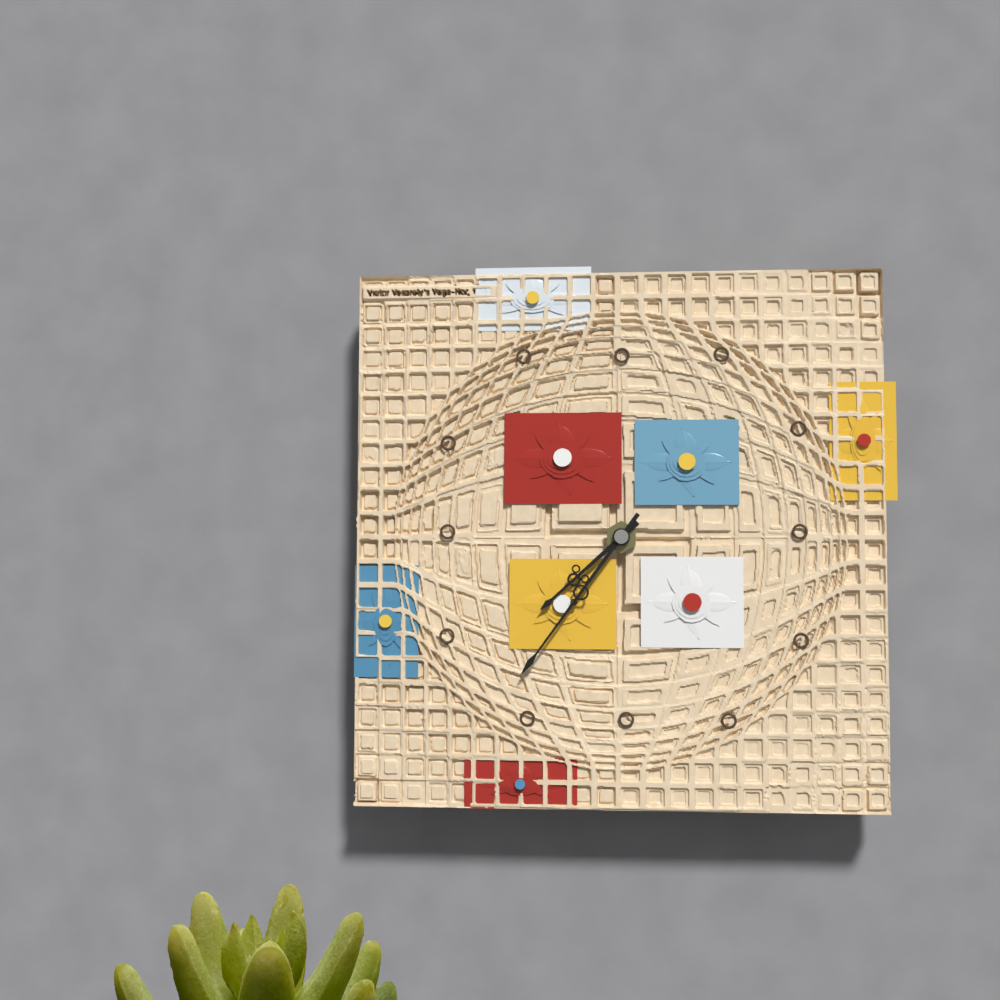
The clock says **7:36**
